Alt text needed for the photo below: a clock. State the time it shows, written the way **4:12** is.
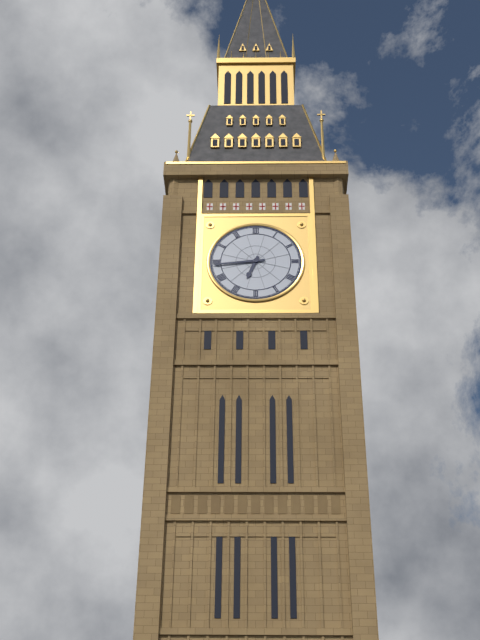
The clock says **6:44**
